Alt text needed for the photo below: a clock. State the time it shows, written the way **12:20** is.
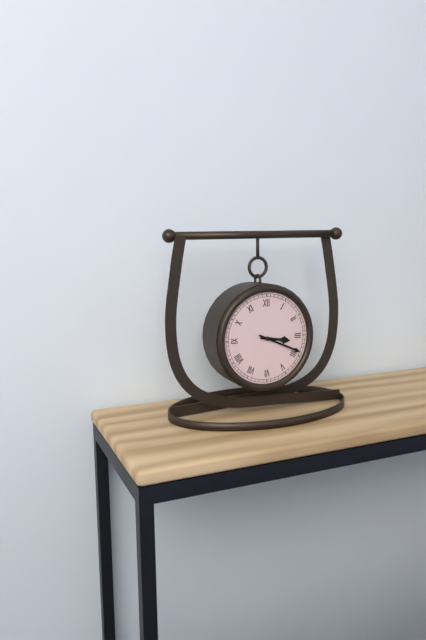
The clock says **3:19**
